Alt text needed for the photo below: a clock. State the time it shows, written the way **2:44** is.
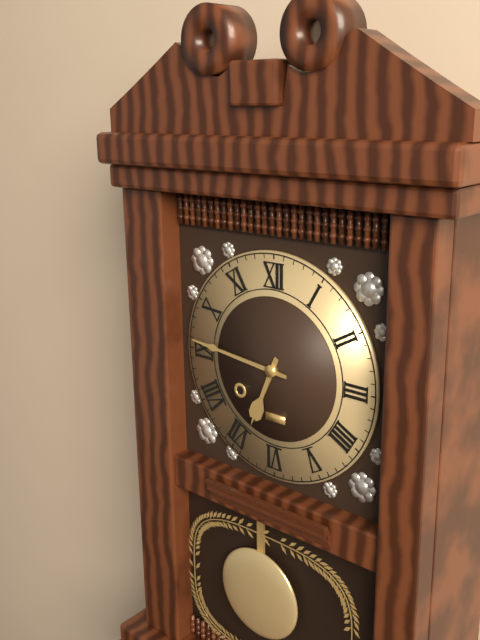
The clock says **6:46**
